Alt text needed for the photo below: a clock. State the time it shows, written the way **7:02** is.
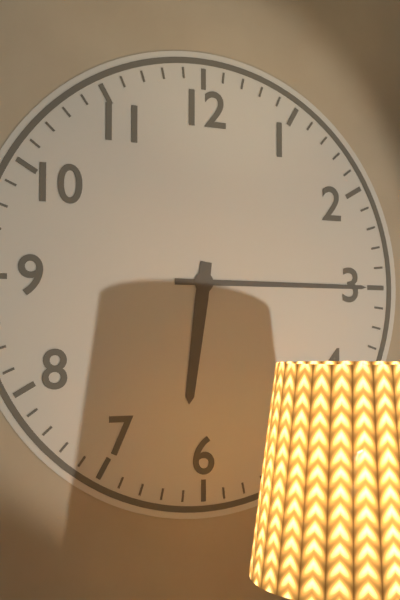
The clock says **6:15**
